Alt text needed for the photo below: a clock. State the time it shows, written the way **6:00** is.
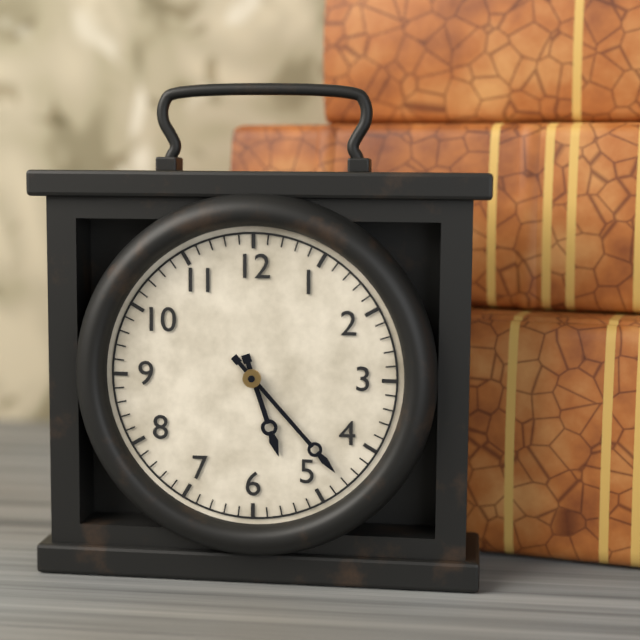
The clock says **5:23**
